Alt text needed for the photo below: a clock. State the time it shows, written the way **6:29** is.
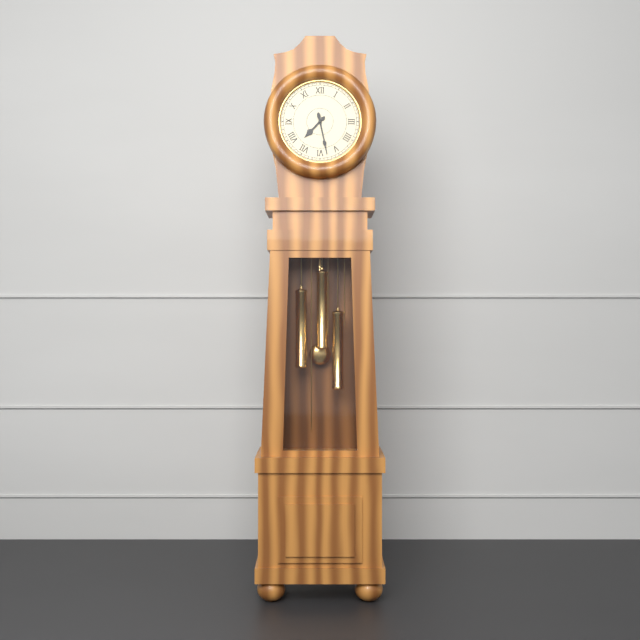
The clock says **7:28**
